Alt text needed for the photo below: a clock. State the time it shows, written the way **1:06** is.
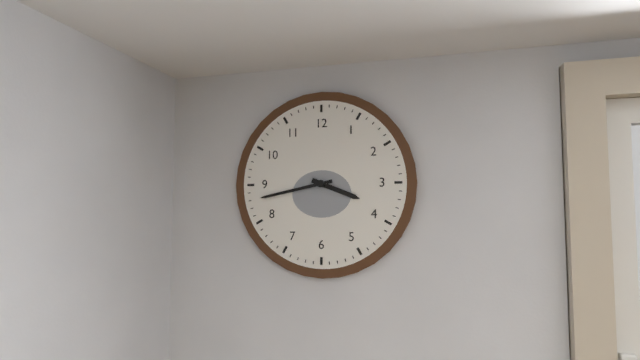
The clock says **3:43**
